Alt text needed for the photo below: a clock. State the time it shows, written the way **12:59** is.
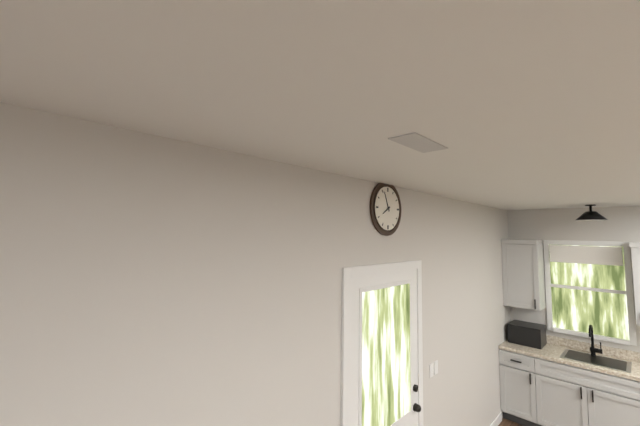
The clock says **7:56**
